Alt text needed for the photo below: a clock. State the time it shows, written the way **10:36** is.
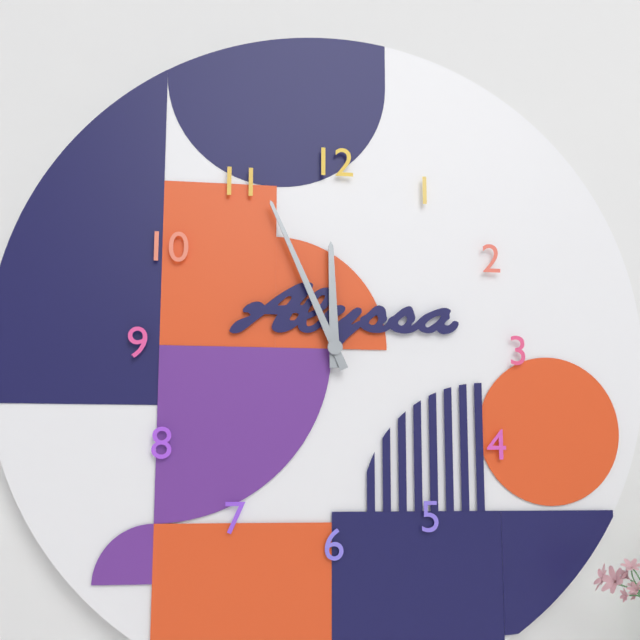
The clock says **11:56**
